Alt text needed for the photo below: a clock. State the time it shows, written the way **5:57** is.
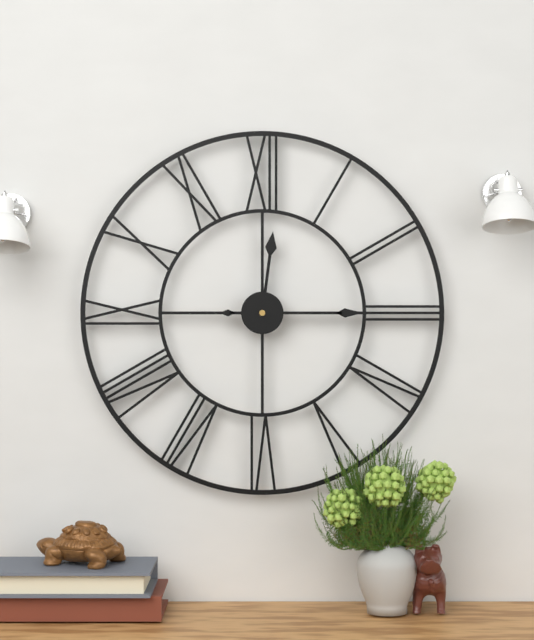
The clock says **12:15**
